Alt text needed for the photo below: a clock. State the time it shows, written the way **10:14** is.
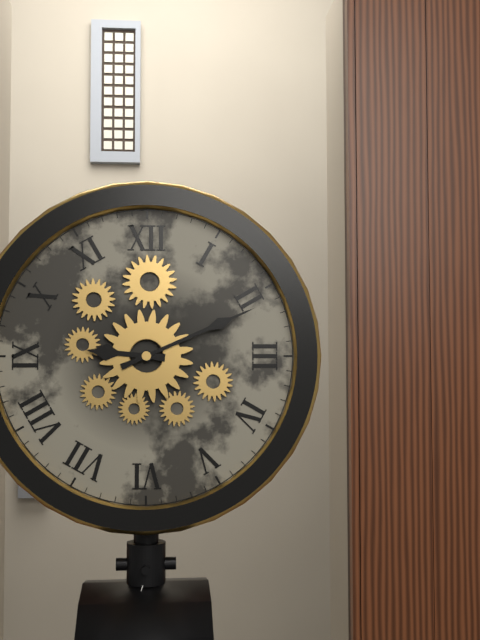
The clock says **9:11**
